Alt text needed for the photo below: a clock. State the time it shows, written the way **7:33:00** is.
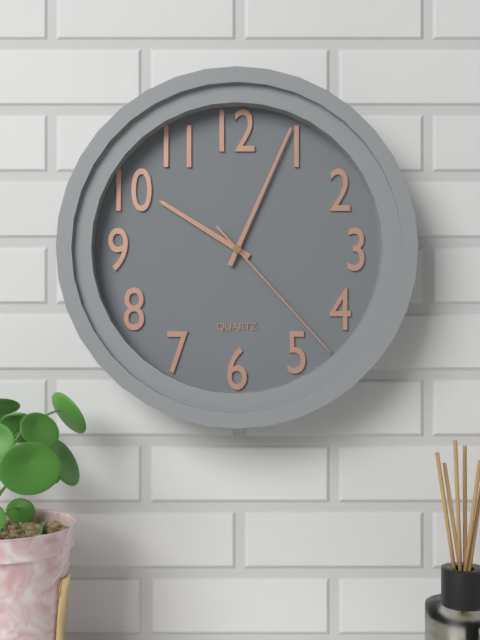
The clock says **10:04:23**
